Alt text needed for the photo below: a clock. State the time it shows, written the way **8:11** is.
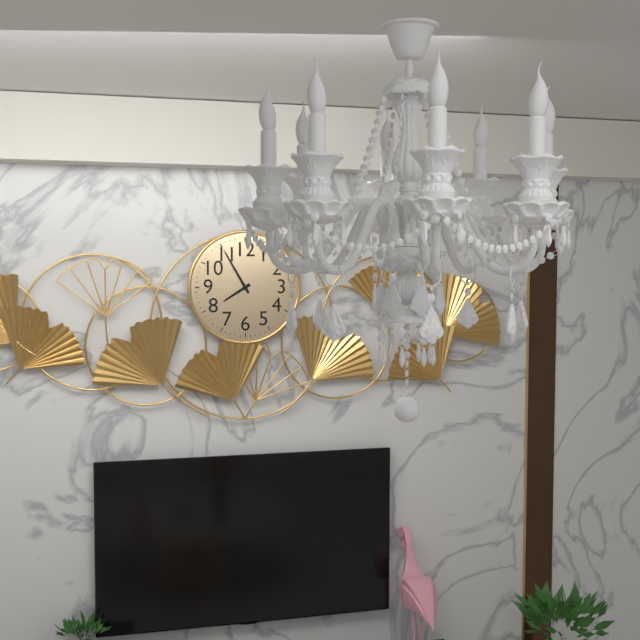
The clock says **7:55**
